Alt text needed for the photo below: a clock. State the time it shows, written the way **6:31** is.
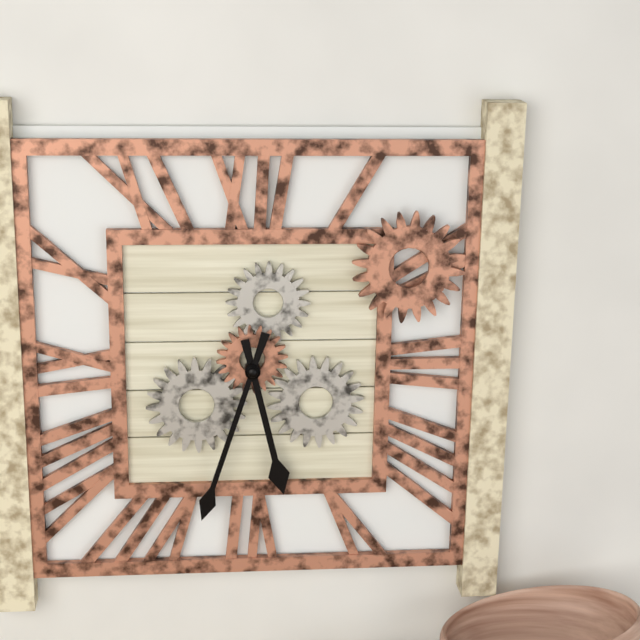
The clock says **5:33**
